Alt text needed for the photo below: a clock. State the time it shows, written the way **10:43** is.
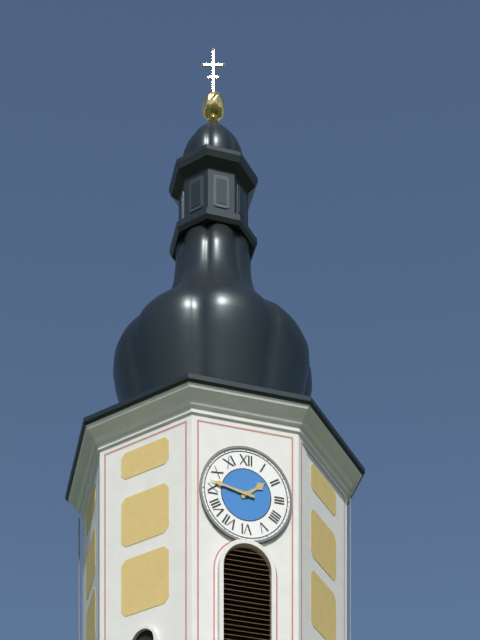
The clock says **1:47**
